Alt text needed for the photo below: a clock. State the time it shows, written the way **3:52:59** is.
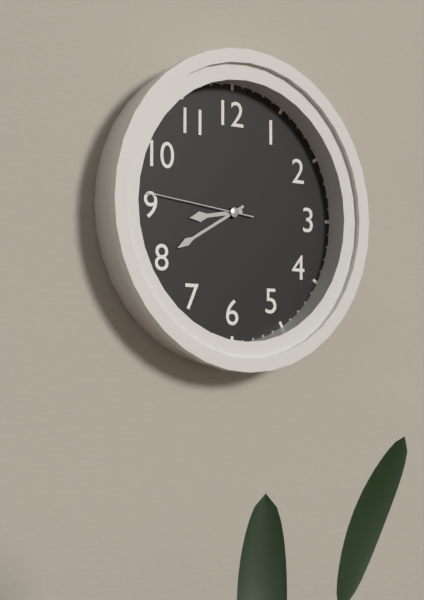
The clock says **8:40:46**
